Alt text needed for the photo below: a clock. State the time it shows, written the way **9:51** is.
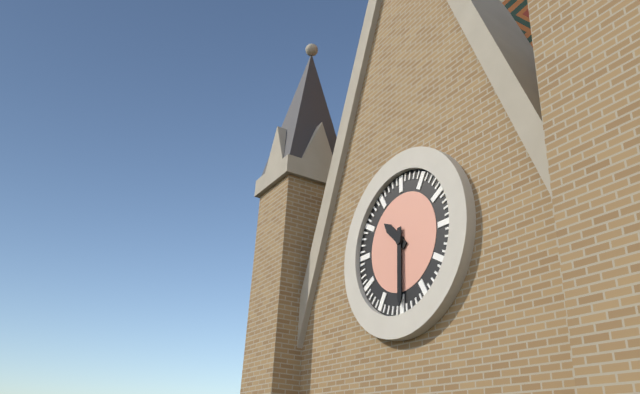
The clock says **10:30**
